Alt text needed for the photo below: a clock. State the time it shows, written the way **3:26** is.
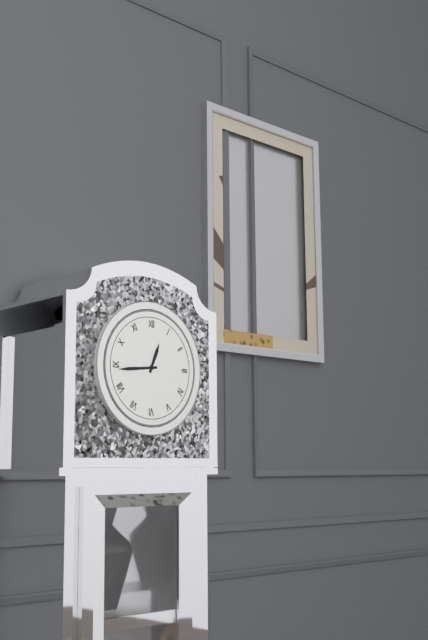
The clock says **12:44**
